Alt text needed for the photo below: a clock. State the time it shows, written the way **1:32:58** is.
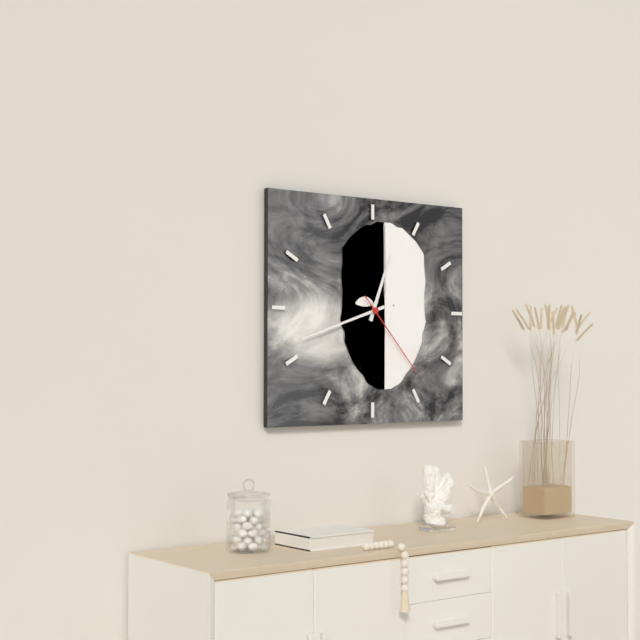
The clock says **12:42:23**
